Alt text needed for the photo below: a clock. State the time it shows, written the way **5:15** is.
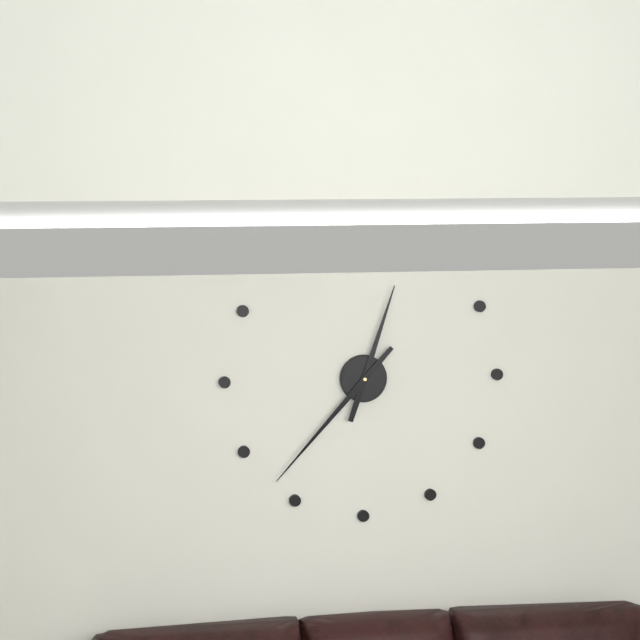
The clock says **12:37**
